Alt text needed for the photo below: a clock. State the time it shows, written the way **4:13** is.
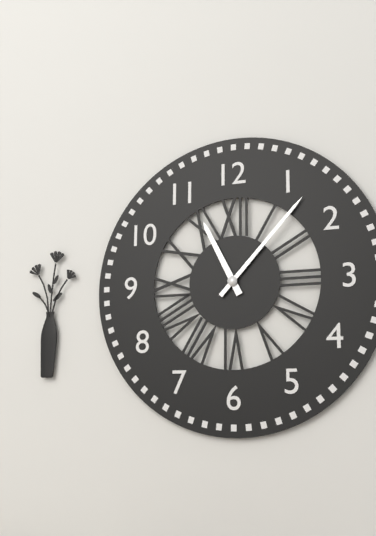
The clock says **11:07**
